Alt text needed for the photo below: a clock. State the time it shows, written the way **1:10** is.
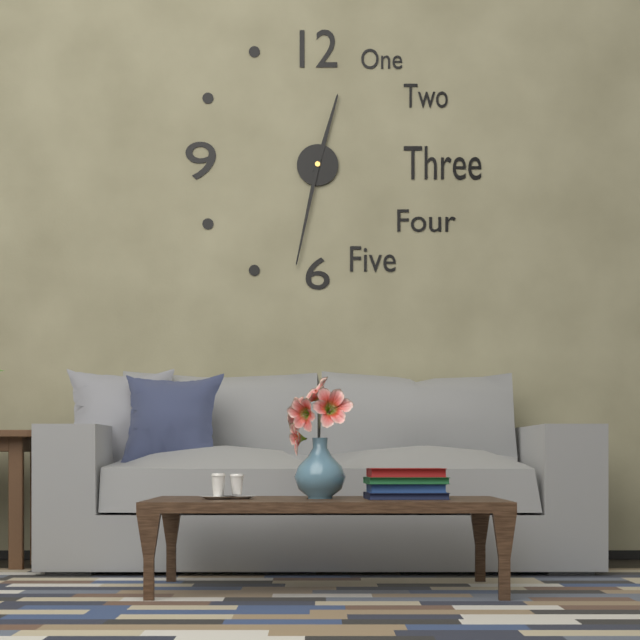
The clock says **12:32**
